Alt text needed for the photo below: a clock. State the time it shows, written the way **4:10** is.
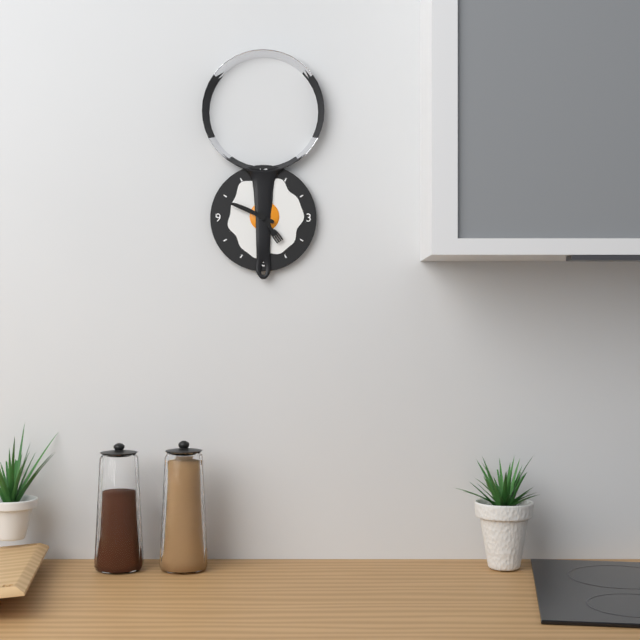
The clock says **4:49**
